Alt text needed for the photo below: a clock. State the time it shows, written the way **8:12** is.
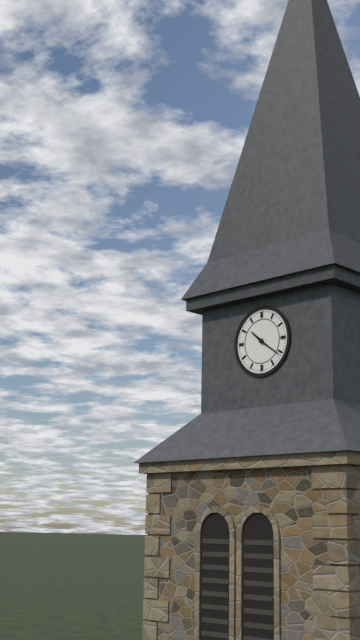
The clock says **10:21**
